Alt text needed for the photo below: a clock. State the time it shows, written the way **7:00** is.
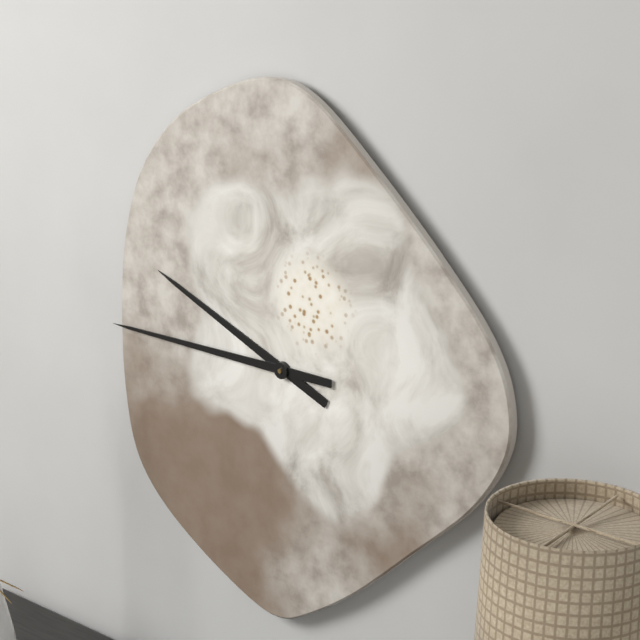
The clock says **9:45**
